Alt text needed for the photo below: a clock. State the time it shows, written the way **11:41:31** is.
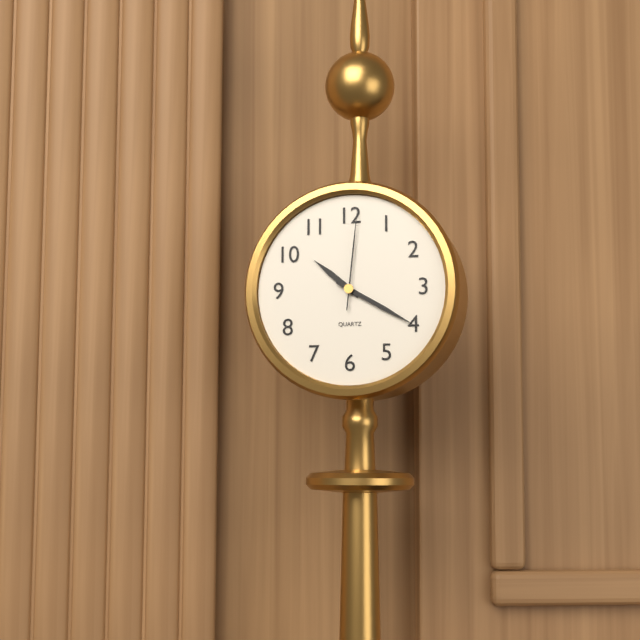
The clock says **10:20:01**
